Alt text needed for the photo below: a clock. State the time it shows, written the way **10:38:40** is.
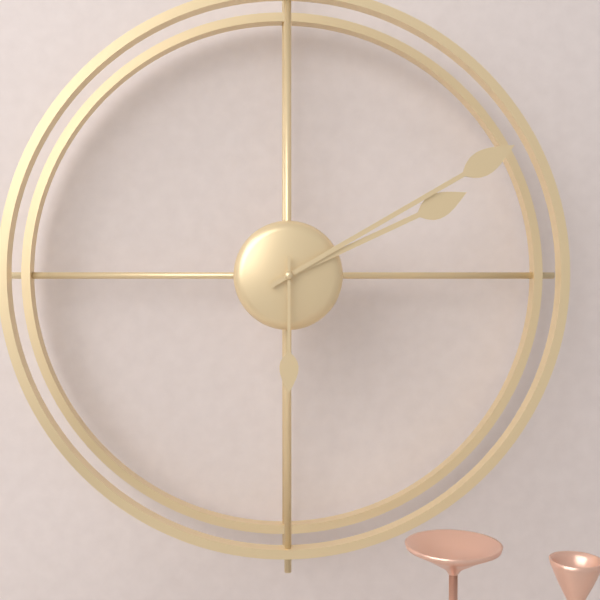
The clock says **2:10:30**
